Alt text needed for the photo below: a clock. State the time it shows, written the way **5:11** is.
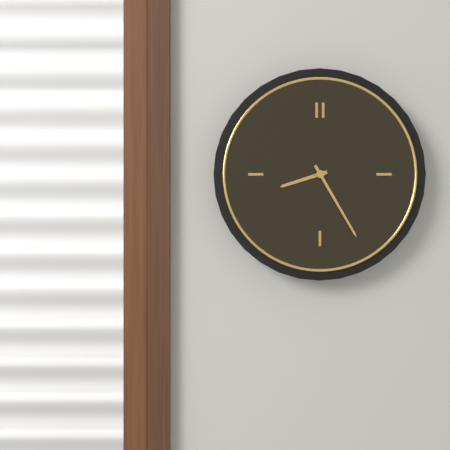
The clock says **8:25**
